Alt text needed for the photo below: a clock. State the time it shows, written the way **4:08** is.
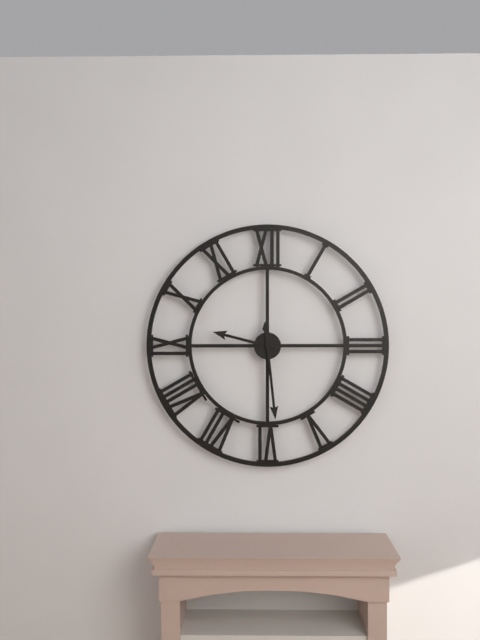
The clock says **9:29**
